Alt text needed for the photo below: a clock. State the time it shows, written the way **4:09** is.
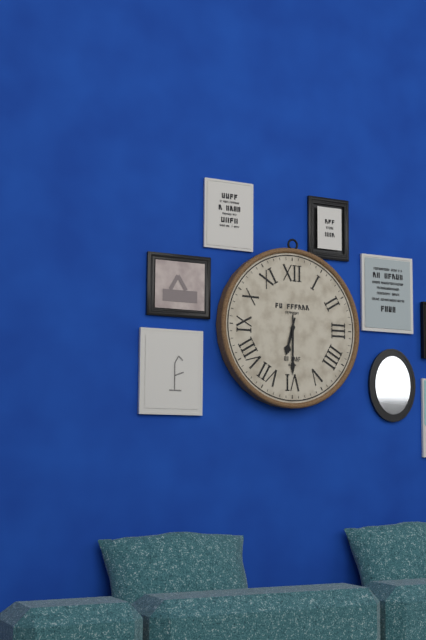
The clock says **6:30**
